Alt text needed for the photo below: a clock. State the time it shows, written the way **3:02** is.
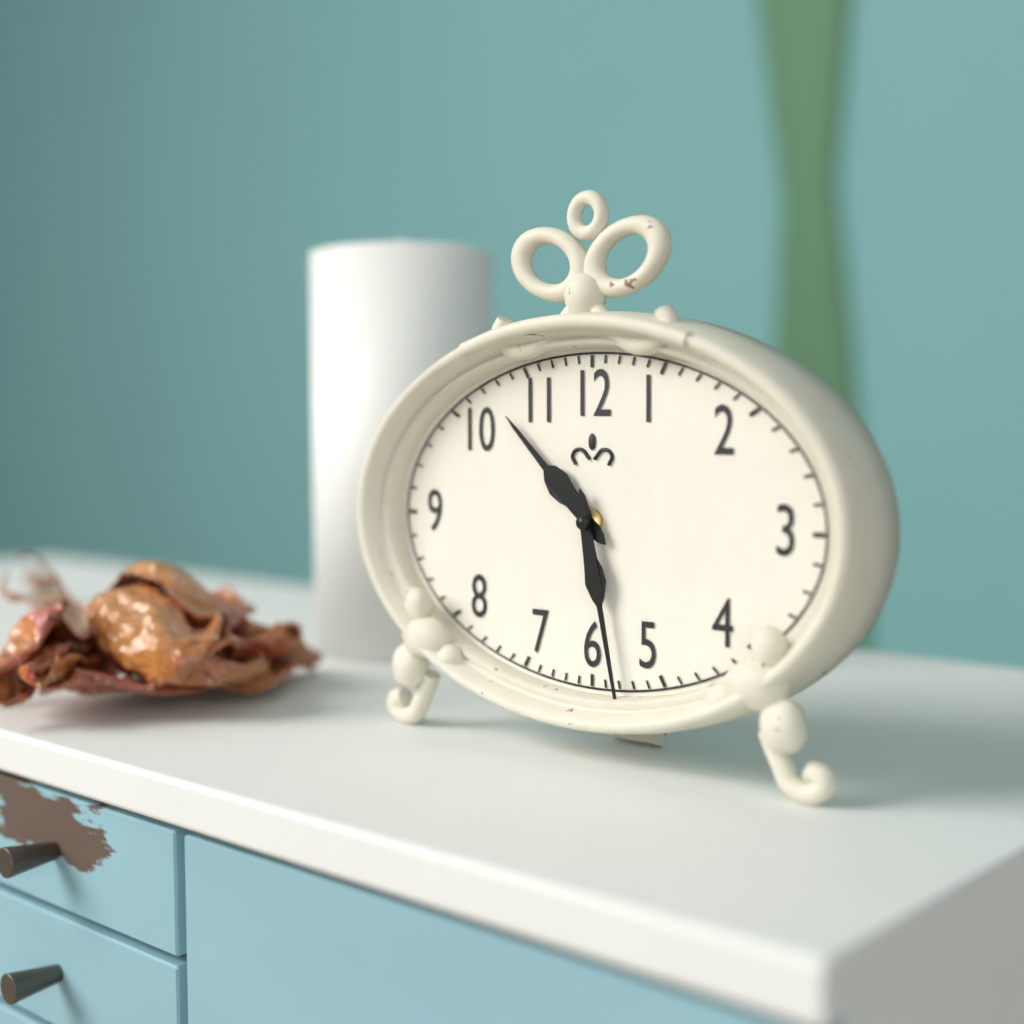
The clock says **10:28**
